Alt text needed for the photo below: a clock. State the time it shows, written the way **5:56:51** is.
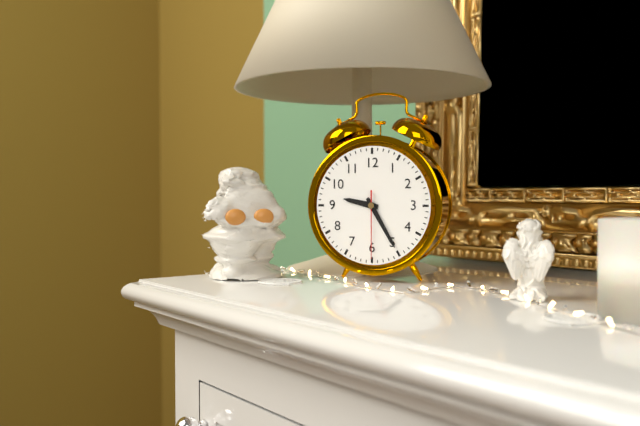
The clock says **9:25:30**
